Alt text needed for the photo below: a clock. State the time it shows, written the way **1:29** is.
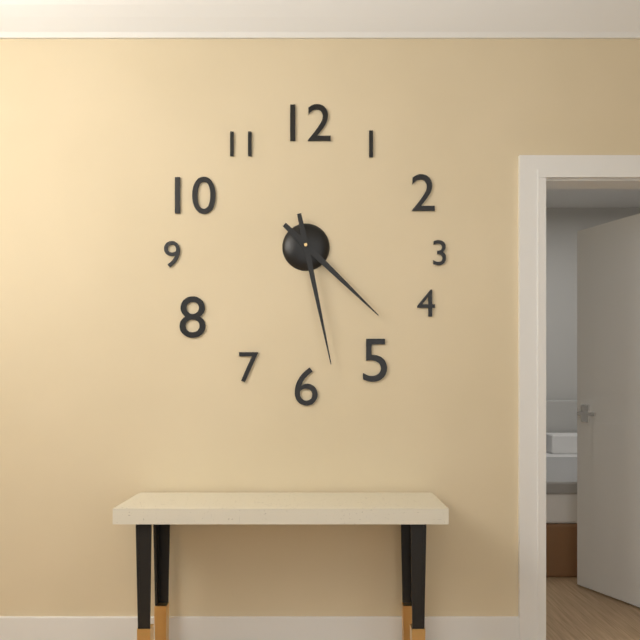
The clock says **4:28**
